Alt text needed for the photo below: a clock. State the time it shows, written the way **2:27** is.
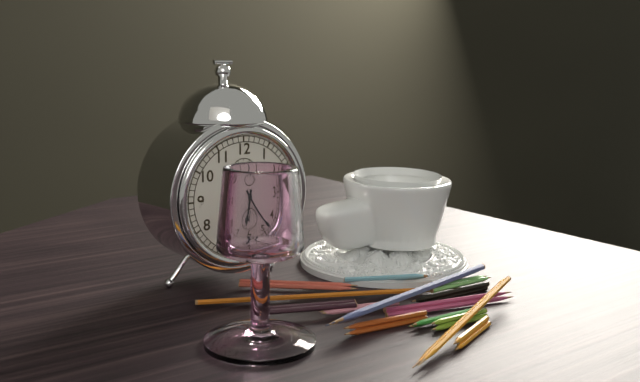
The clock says **6:23**
